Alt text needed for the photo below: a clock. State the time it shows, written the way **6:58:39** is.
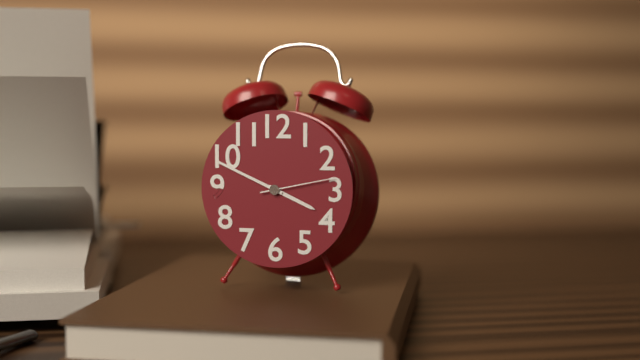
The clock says **3:49:13**
